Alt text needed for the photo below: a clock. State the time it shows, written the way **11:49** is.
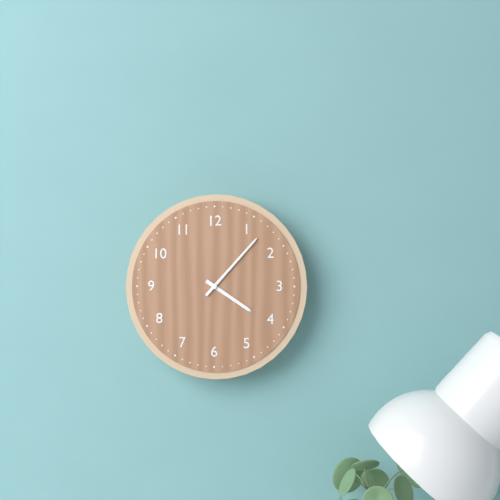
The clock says **4:07**
